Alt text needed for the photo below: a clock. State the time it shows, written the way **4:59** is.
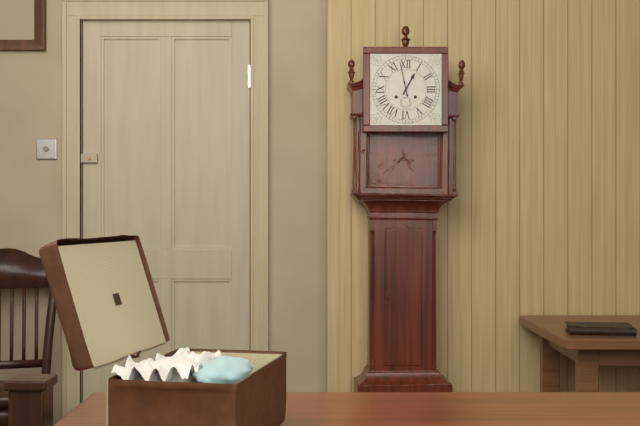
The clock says **12:58**
